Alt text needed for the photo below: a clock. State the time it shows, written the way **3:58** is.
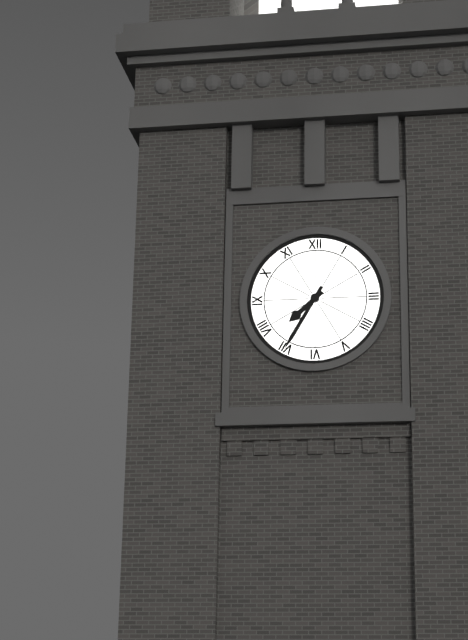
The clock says **7:35**
